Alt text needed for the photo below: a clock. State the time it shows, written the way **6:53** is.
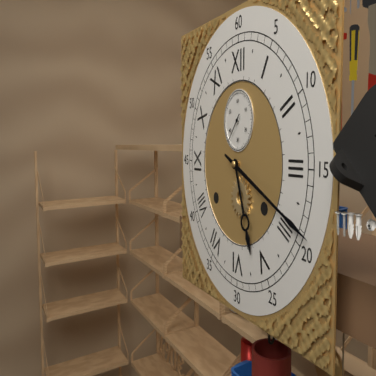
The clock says **5:19**
